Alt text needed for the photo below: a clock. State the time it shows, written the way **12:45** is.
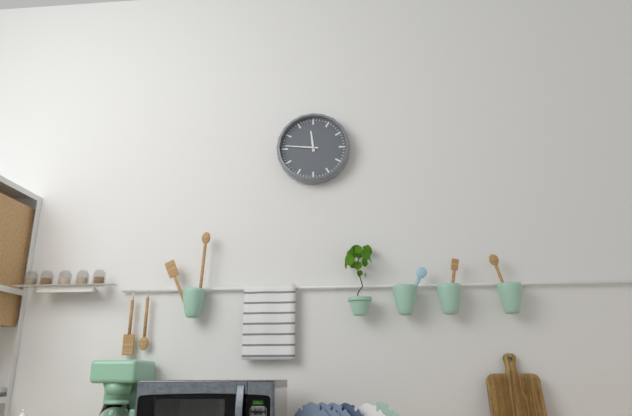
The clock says **11:46**
